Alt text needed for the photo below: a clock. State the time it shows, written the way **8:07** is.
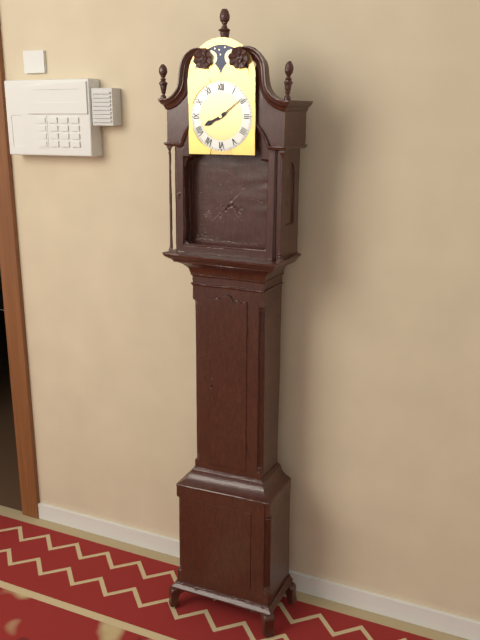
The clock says **8:09**
